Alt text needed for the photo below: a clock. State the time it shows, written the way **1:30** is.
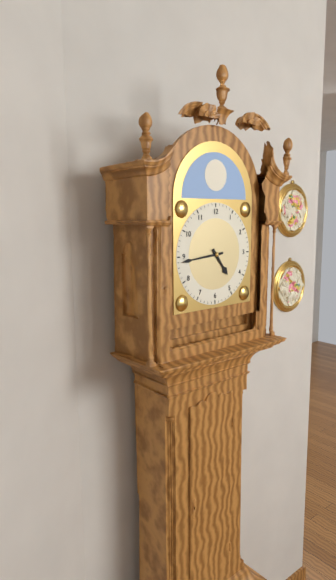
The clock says **4:44**
